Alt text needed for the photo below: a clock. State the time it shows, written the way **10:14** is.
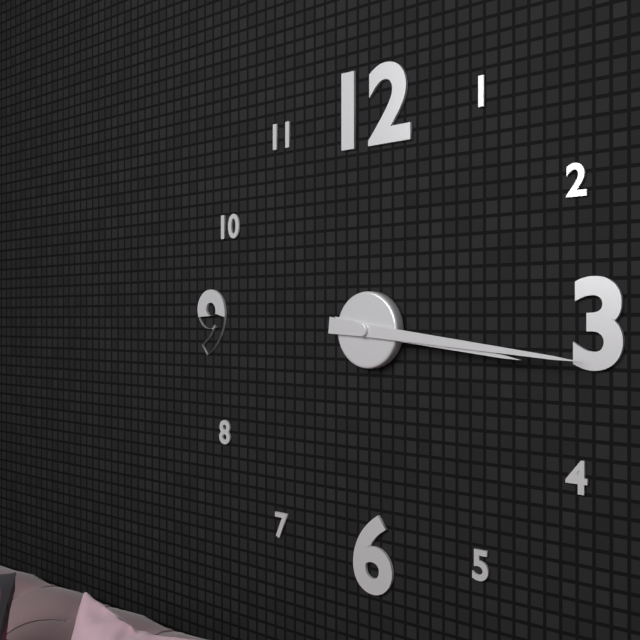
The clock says **3:16**
